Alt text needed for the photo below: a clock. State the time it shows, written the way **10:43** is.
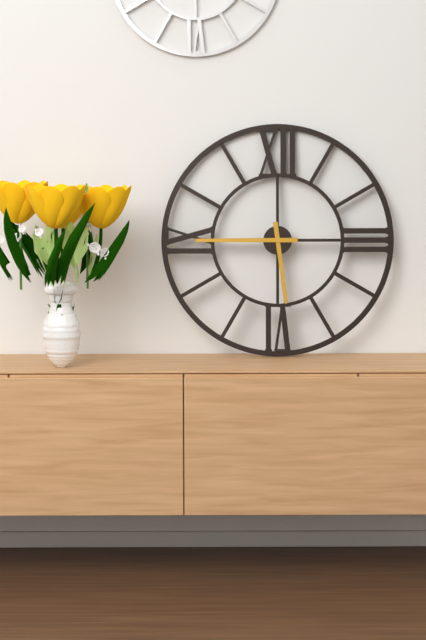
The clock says **5:45**
